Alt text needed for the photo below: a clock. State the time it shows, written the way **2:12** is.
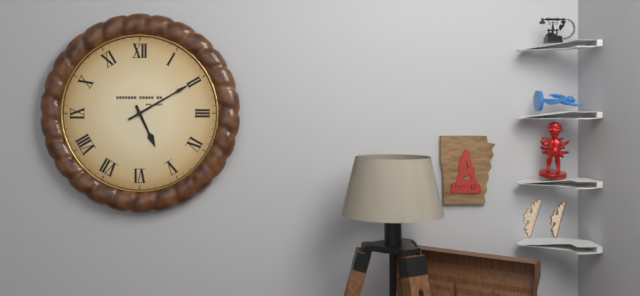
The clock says **5:10**
